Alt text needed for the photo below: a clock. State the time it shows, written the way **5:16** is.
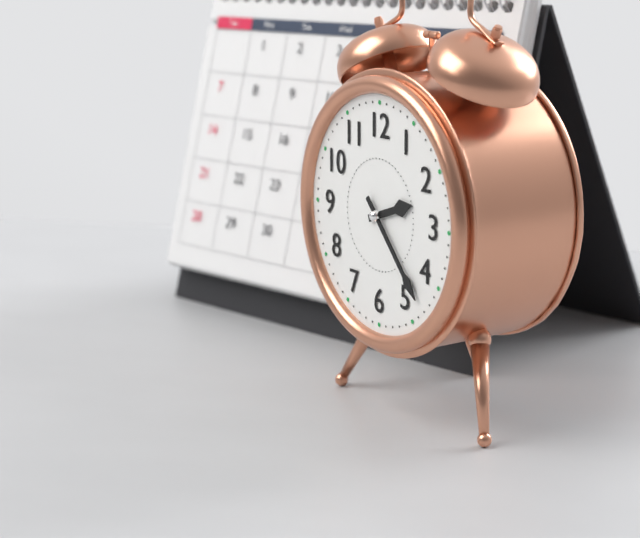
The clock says **2:23**
